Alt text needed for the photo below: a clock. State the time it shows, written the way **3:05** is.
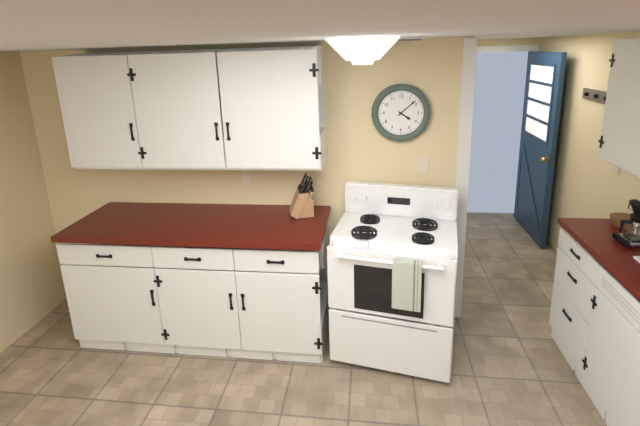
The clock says **4:08**
